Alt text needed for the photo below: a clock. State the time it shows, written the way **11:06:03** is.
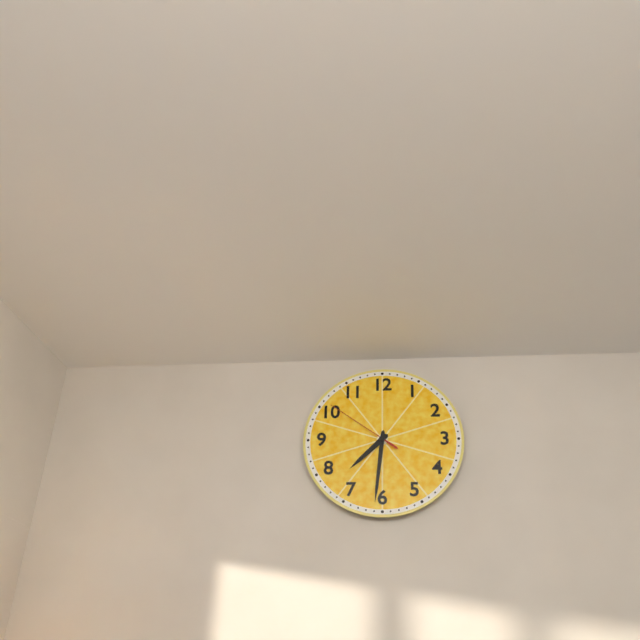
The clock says **7:31:51**
